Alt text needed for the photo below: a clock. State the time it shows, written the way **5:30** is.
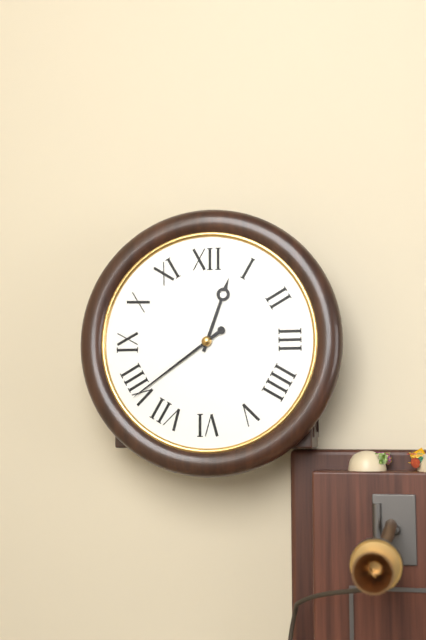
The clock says **12:39**
